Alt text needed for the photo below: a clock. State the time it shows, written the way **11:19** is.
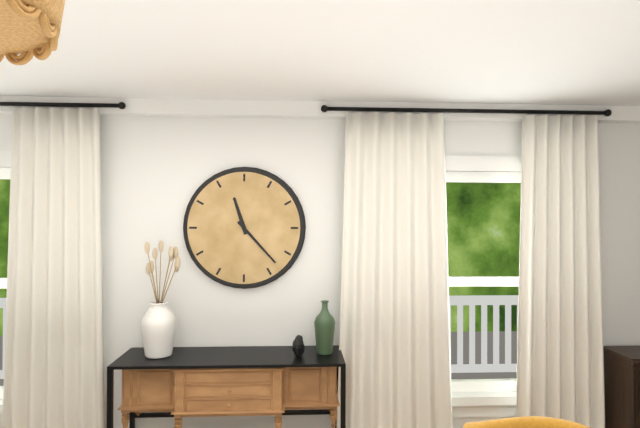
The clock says **11:23**
